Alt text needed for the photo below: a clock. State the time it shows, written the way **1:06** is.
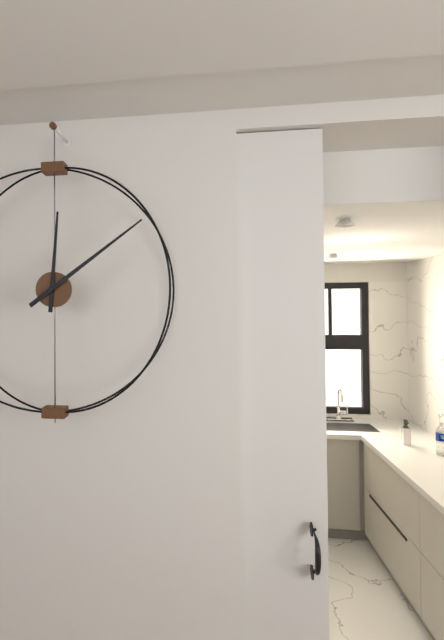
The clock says **12:09**
